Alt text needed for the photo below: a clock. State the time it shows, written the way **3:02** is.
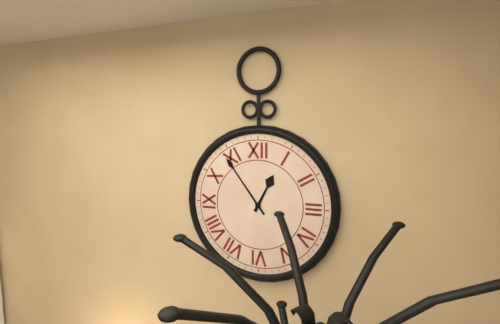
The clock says **12:54**
